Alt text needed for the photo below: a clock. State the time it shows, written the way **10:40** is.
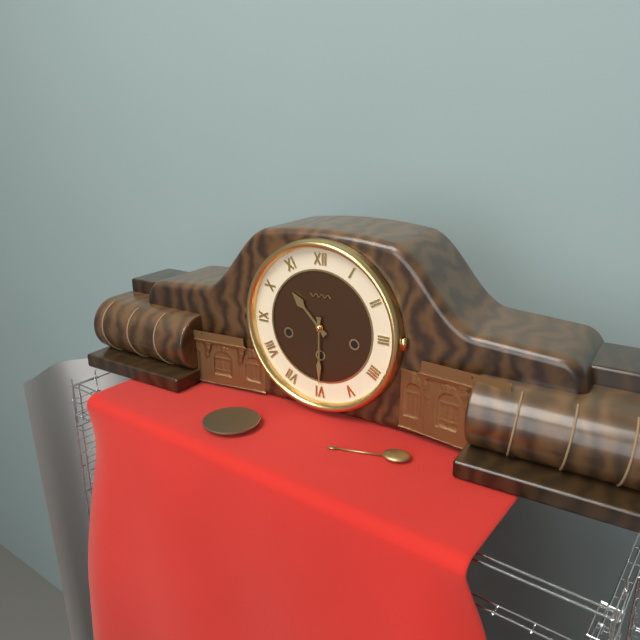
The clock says **10:30**
